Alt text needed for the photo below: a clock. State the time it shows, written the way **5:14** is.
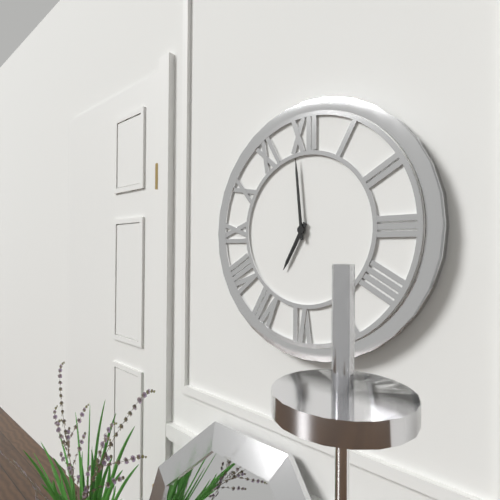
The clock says **6:59**
